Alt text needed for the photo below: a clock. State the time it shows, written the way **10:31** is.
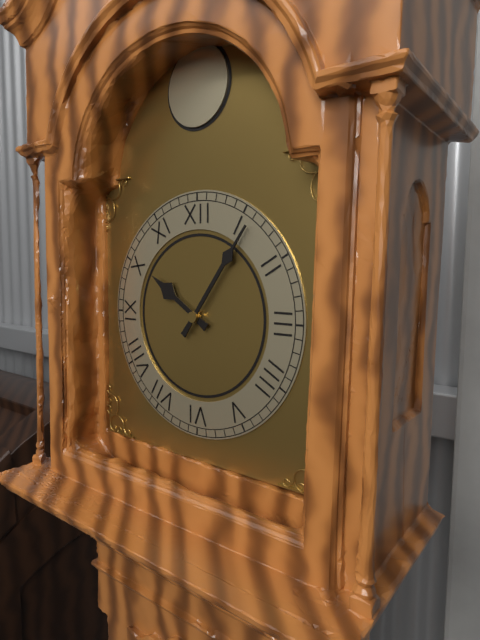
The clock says **10:06**
